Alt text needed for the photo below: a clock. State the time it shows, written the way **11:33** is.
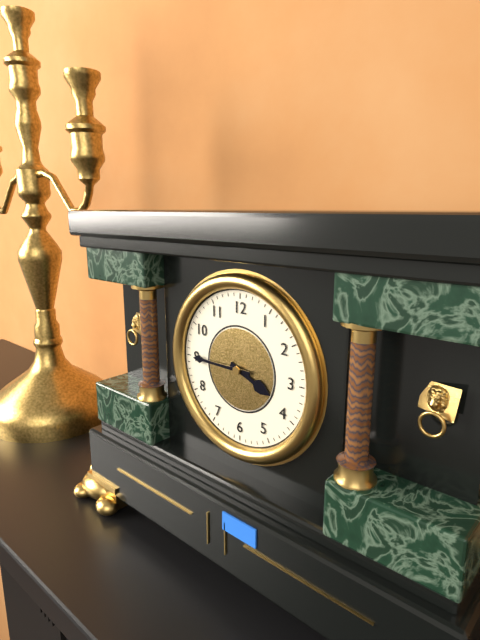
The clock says **3:45**
